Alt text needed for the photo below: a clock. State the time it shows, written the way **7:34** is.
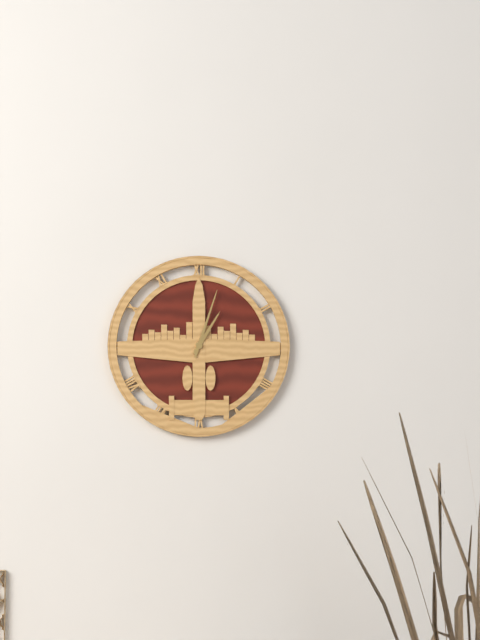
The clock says **1:03**
